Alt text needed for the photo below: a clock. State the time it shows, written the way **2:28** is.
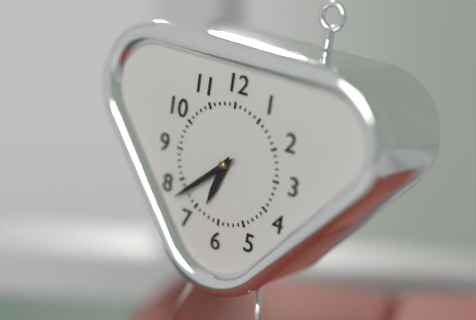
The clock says **6:38**
